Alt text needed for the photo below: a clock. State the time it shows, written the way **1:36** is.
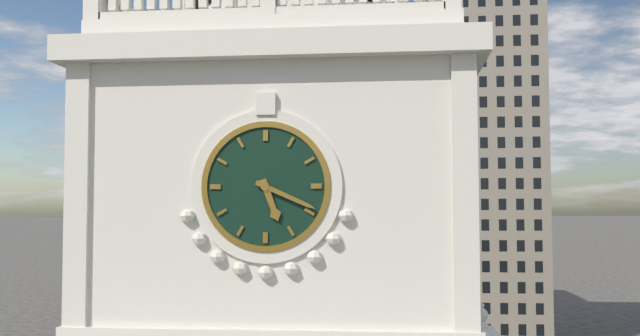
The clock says **5:19**
